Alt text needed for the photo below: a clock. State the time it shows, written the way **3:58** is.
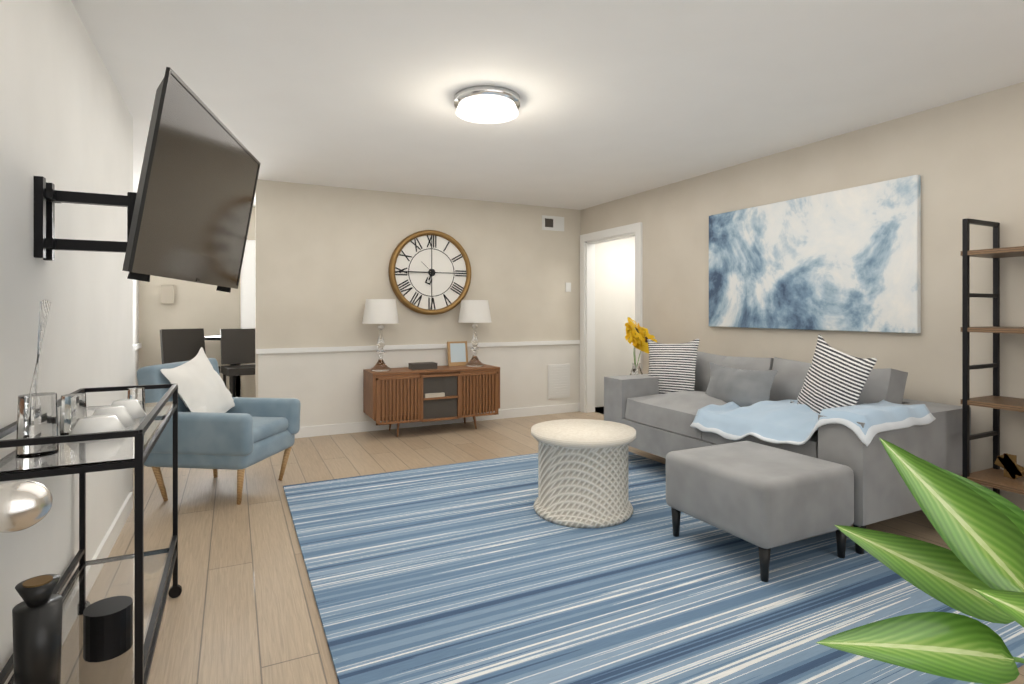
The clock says **6:45**
